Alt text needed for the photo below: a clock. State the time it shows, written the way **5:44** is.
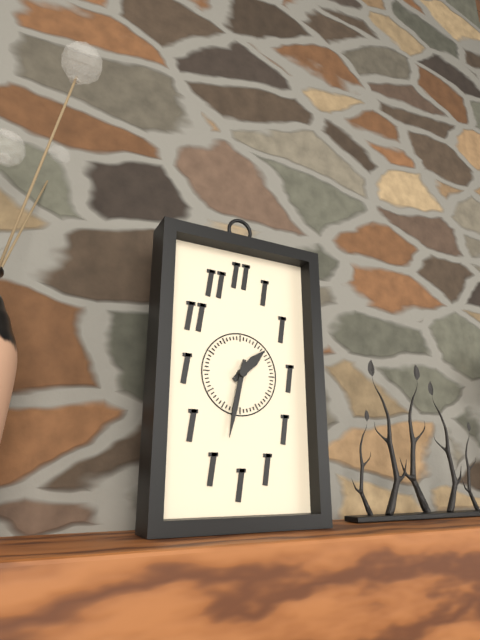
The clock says **1:32**
